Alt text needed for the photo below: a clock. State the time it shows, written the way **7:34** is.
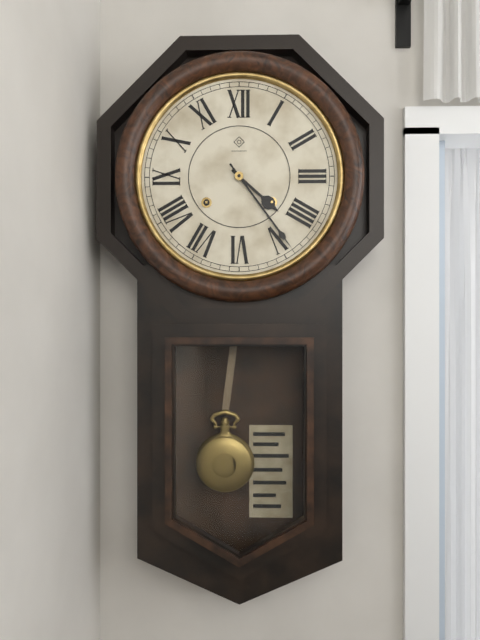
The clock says **4:24**
